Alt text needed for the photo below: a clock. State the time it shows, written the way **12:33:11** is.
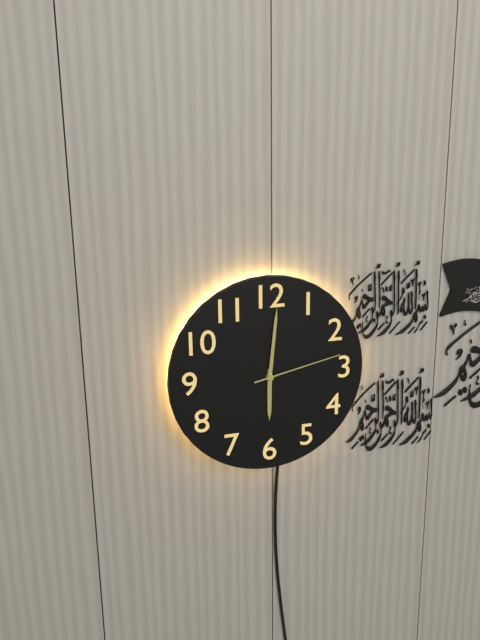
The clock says **6:01:13**
